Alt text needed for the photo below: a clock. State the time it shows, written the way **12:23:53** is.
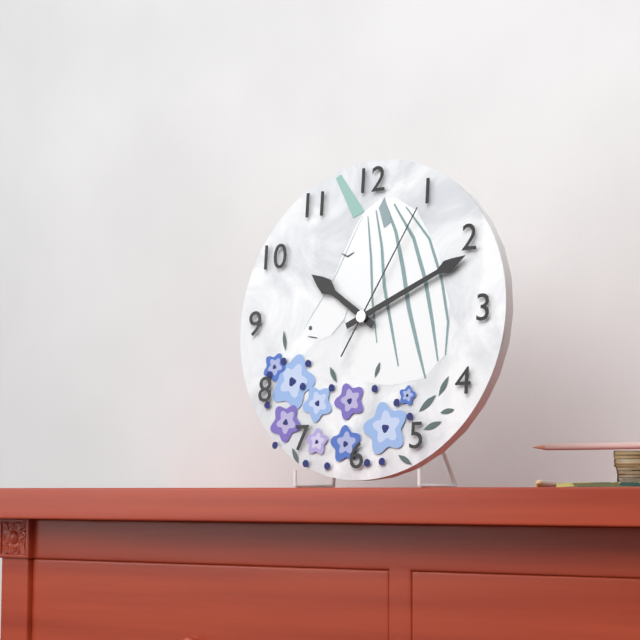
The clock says **10:11:05**
